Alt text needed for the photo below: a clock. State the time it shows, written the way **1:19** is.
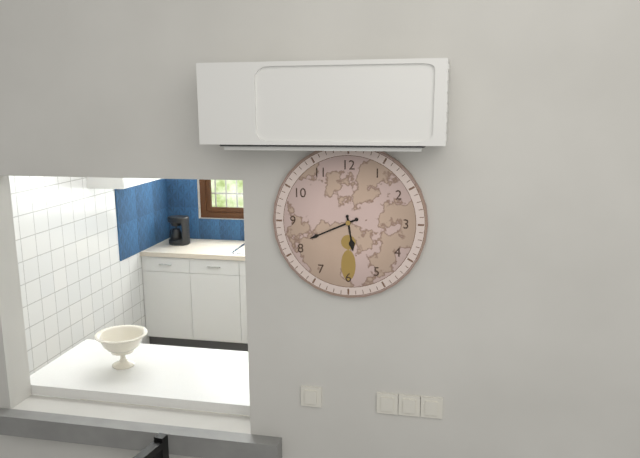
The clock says **5:41**
